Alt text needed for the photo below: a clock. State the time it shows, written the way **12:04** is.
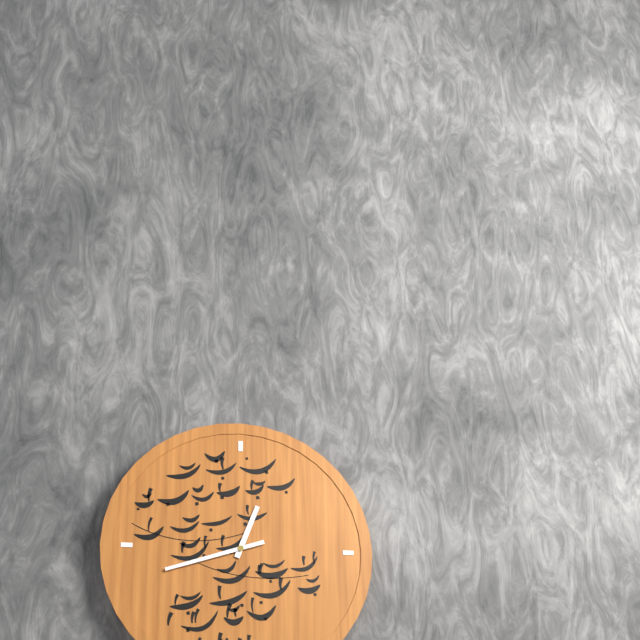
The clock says **12:42**
